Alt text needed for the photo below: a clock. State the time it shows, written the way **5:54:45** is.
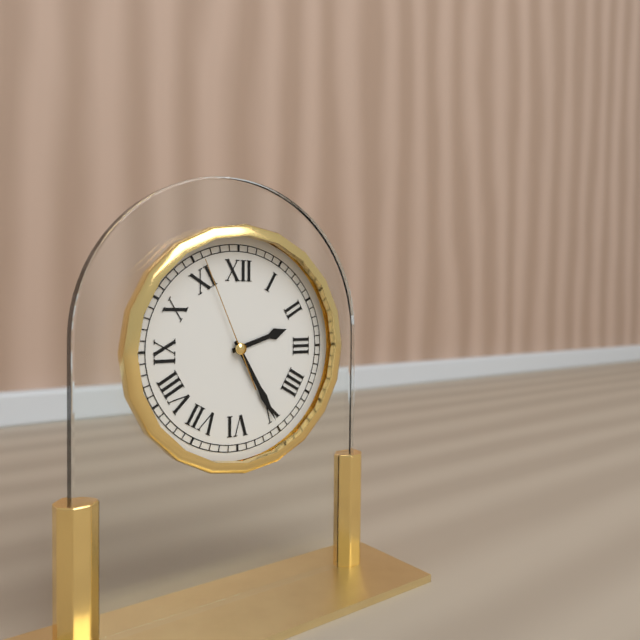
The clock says **2:25:56**
